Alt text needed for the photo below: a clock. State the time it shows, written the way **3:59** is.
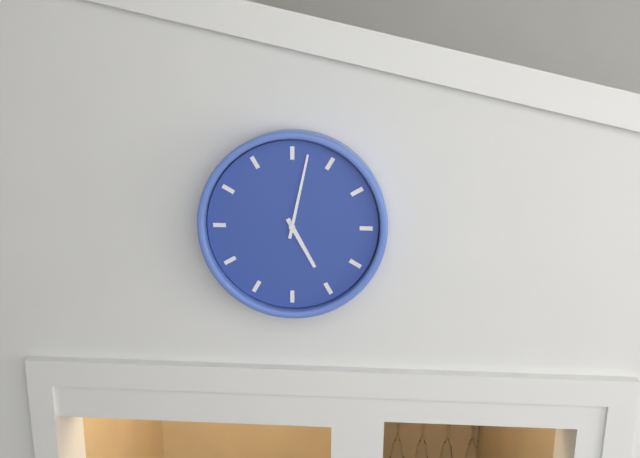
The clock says **5:02**
